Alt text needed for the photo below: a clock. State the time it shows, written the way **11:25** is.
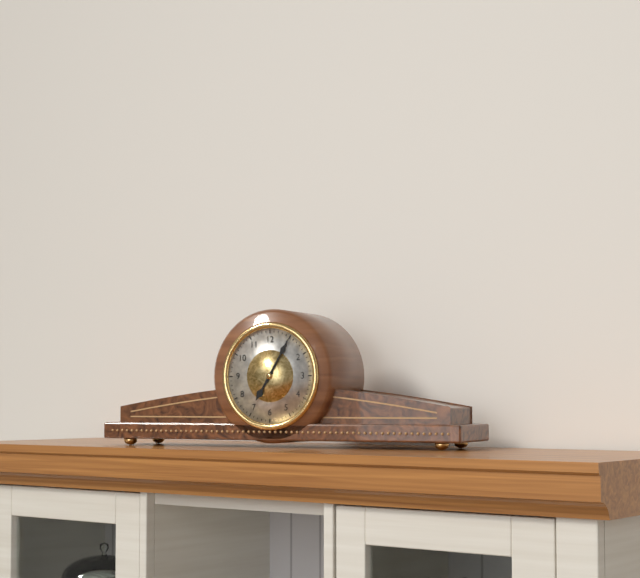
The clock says **7:05**
